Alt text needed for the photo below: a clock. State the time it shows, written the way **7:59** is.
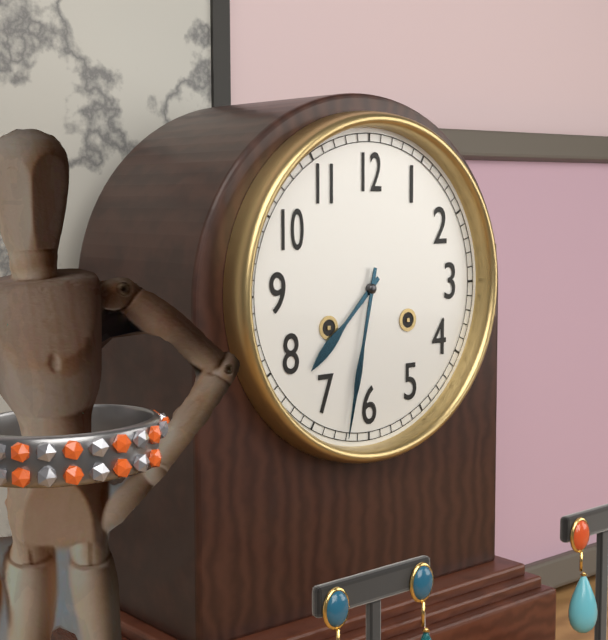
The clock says **7:32**
